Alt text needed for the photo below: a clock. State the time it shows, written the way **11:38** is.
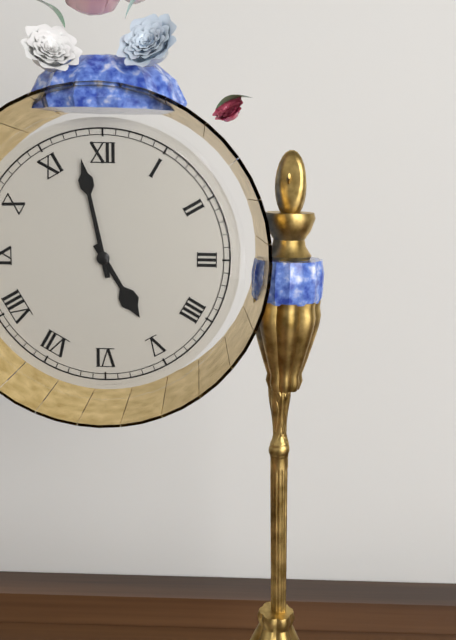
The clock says **4:58**
